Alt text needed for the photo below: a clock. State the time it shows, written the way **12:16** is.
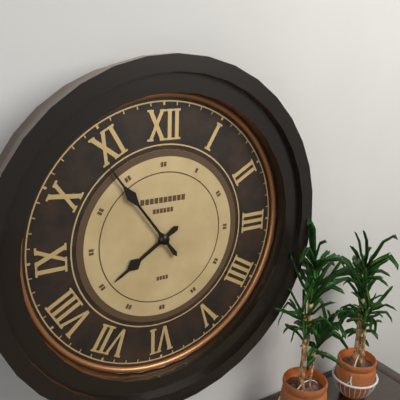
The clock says **7:54**
